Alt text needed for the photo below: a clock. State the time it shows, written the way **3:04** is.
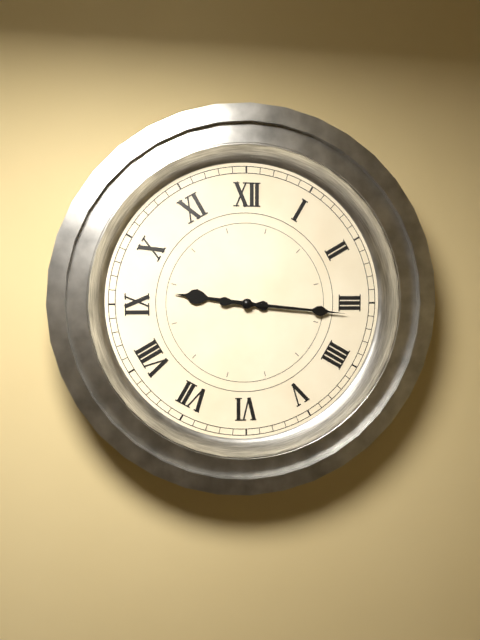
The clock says **9:16**
